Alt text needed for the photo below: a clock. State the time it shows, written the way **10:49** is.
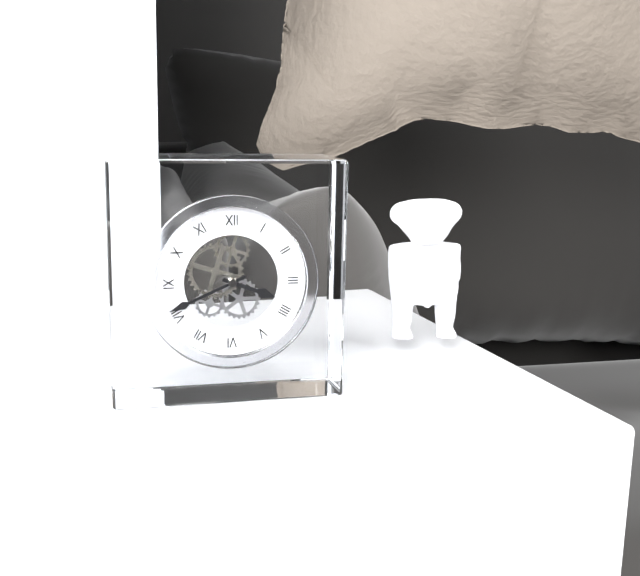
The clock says **3:41**
